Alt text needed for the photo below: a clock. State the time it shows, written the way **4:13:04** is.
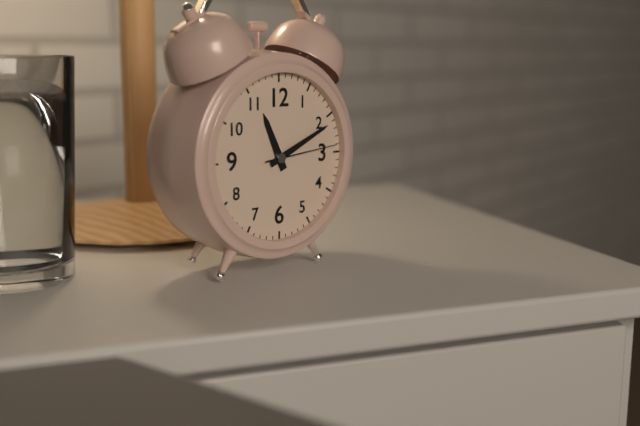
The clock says **11:11:14**
